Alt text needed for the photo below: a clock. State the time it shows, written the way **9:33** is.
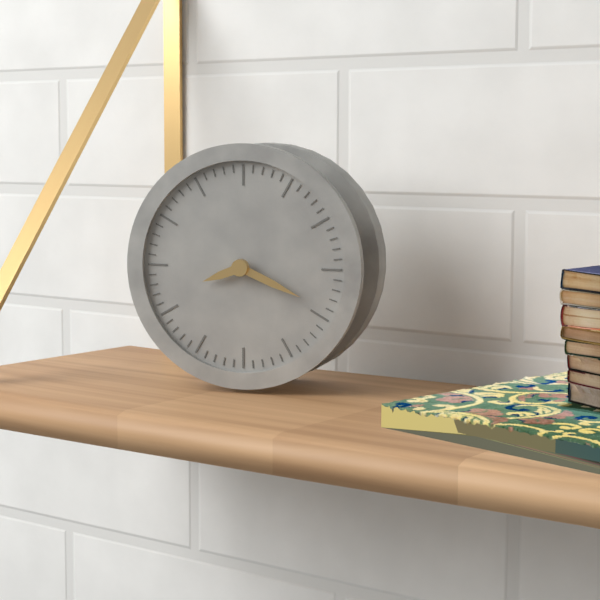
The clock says **8:19**
